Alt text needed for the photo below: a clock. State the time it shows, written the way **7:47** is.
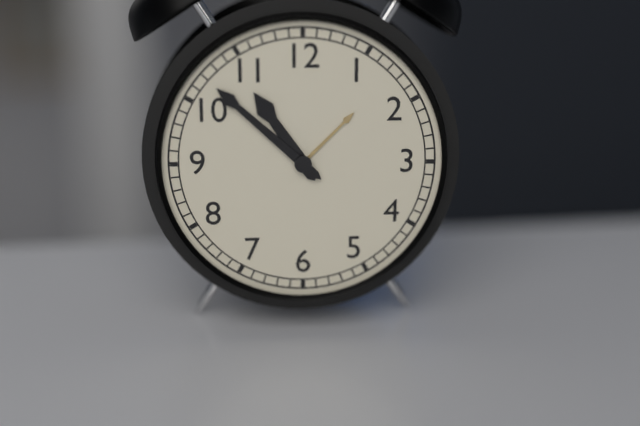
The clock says **10:52**
